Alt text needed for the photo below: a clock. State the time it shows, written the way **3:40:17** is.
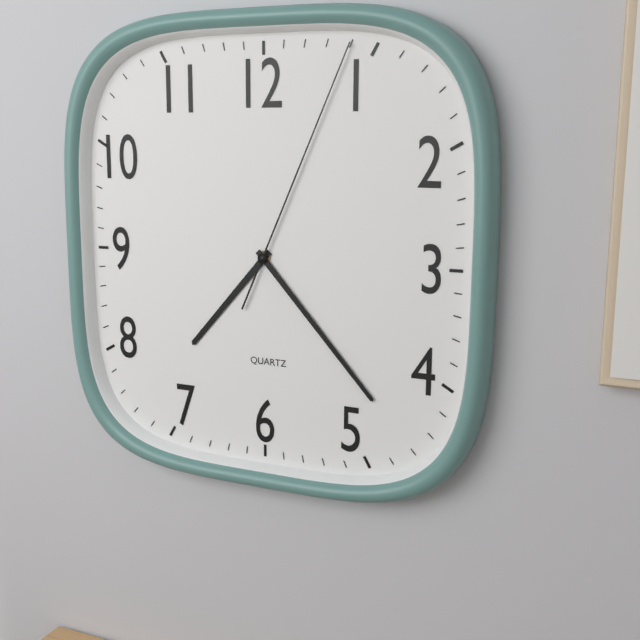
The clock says **7:23:04**
